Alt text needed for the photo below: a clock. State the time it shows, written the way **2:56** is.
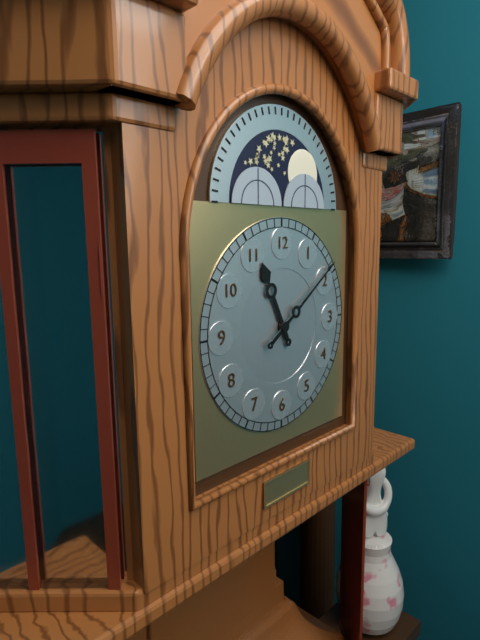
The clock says **11:09**
